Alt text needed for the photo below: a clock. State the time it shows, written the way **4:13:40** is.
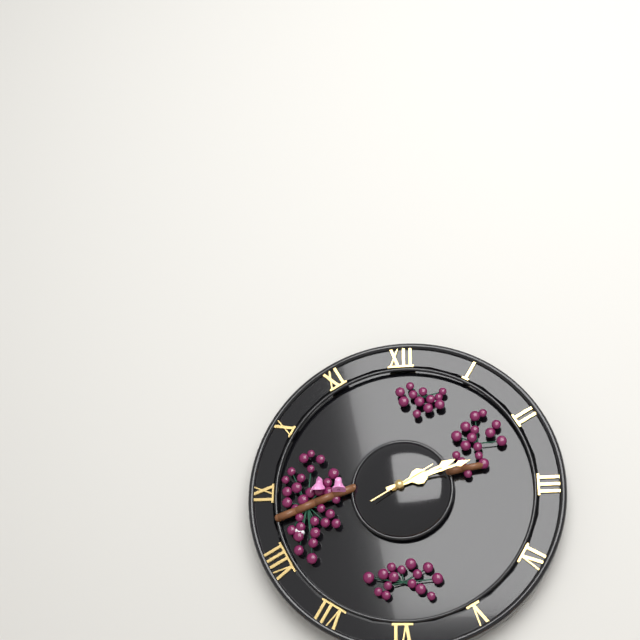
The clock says **2:12:10**
